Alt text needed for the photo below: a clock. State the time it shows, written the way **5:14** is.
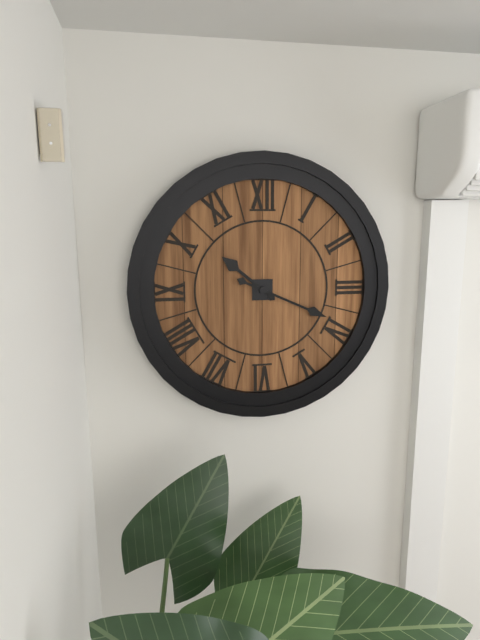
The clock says **10:19**
